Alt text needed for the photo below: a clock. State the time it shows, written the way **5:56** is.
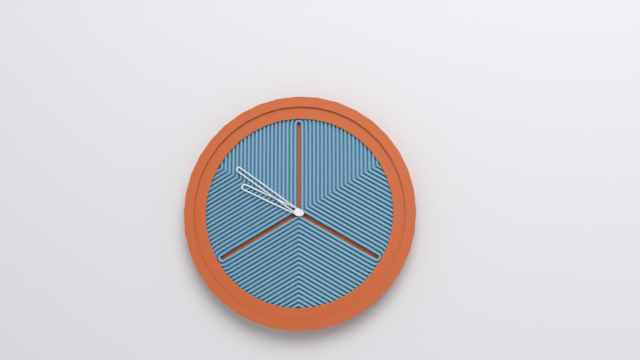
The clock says **9:51**
